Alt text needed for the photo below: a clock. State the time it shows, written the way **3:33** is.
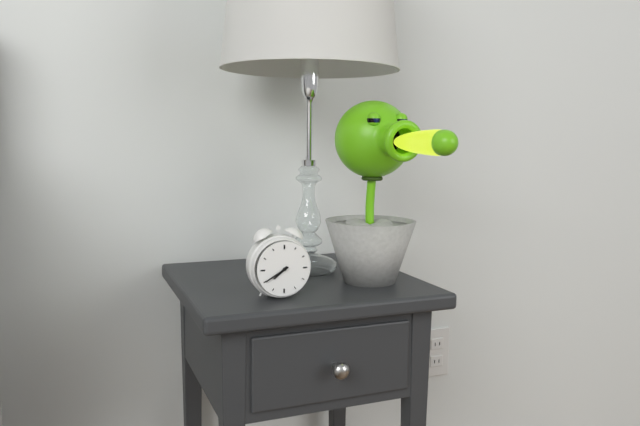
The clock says **7:40**
